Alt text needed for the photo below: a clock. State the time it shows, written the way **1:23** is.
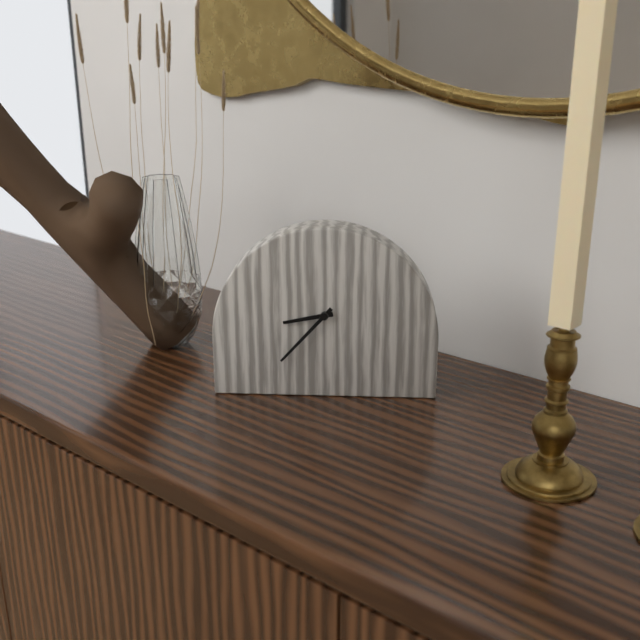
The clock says **8:37**
